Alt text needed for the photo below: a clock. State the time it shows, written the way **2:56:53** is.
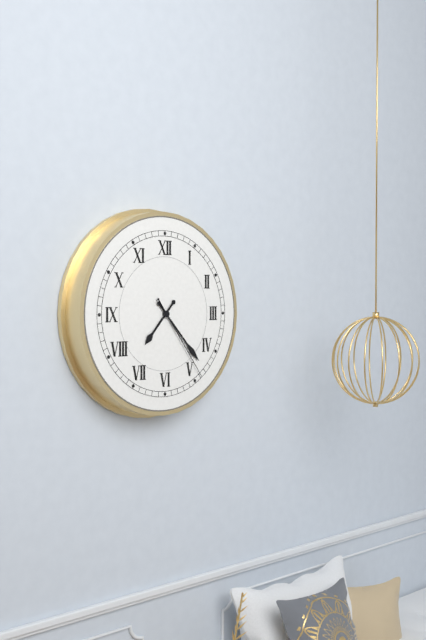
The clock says **7:23:24**
